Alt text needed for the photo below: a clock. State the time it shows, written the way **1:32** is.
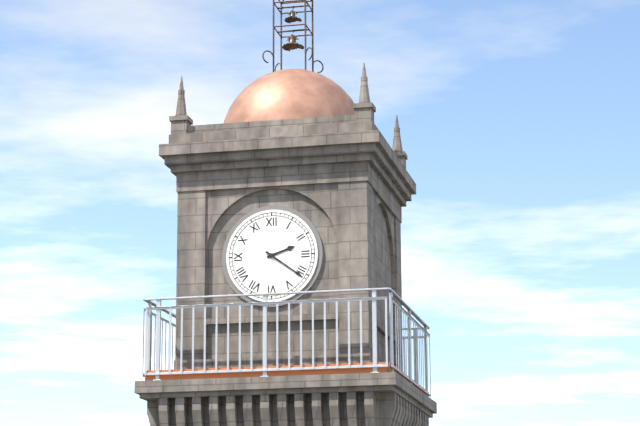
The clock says **2:21**
